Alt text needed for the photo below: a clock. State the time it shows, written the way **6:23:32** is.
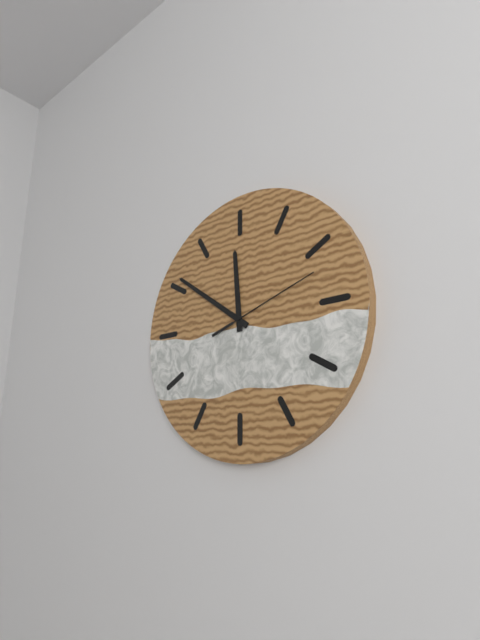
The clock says **11:51:12**
